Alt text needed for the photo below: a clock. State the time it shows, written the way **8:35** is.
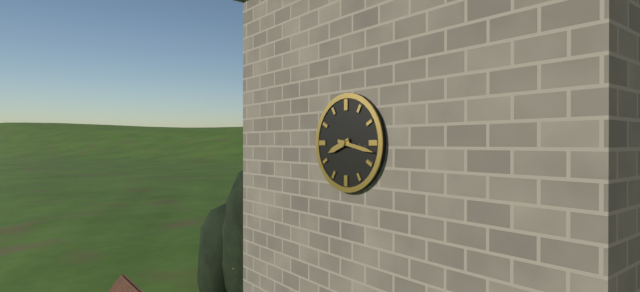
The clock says **8:17**
